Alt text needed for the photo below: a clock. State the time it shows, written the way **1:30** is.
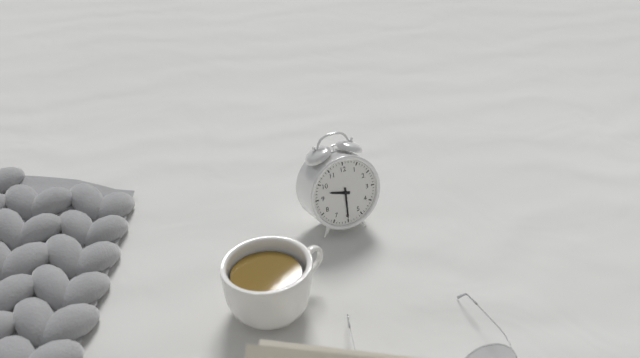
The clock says **9:30**
